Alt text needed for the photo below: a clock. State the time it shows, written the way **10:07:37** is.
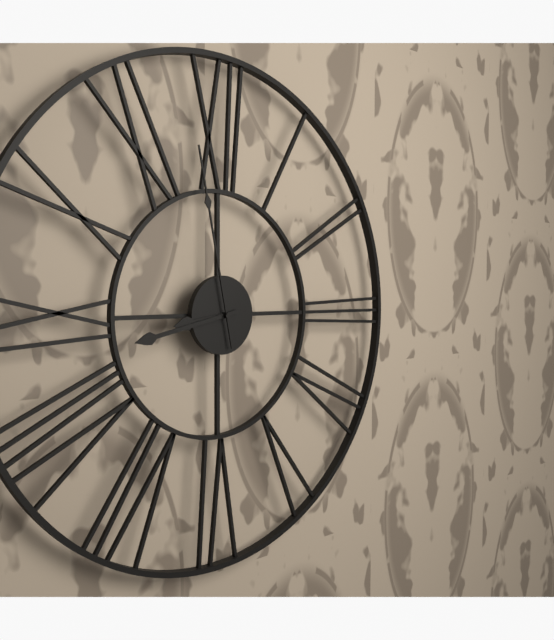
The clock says **8:43:58**
